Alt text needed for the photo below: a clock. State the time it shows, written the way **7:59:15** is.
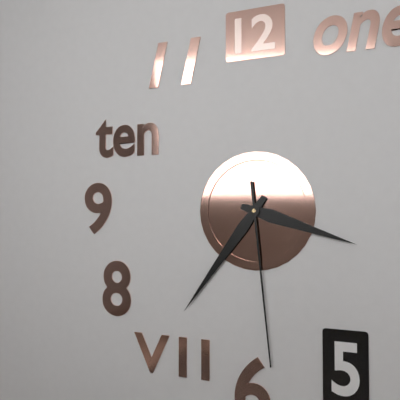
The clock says **3:36:29**
